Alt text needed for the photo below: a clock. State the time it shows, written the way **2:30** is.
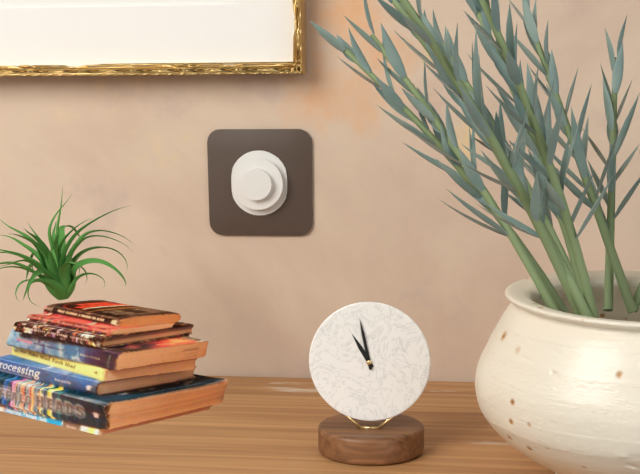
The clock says **10:58**
